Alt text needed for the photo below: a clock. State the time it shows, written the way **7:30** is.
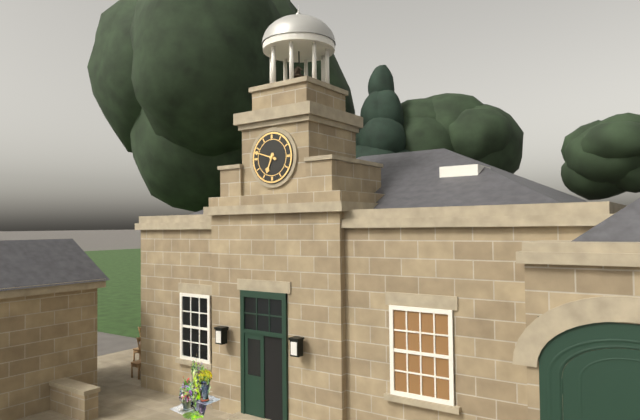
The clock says **6:48**
